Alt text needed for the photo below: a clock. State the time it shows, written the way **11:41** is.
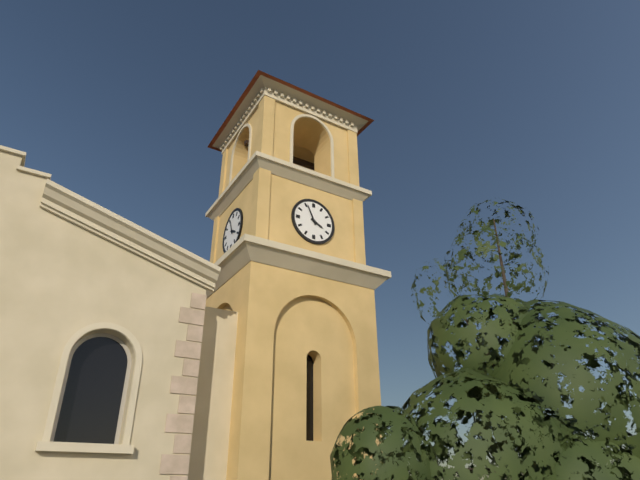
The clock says **3:56**
